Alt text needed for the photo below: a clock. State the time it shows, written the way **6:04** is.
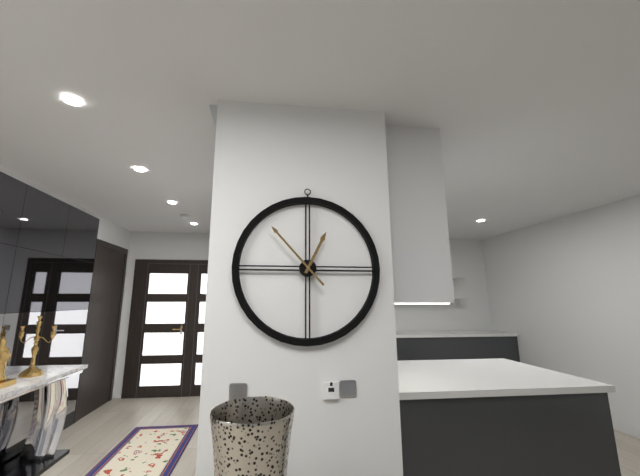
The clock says **12:53**
